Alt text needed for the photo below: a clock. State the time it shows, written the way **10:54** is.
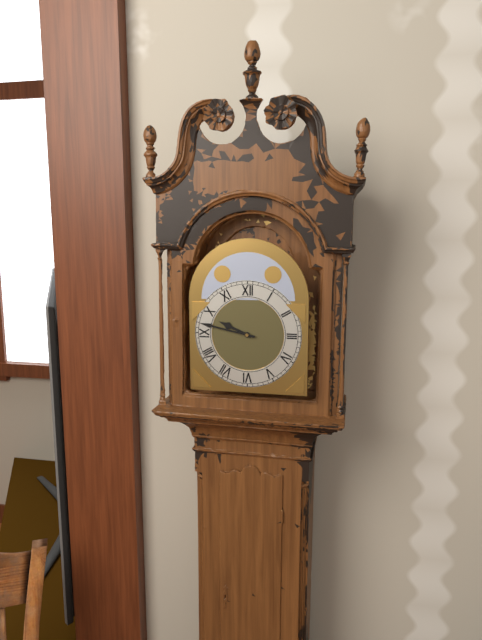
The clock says **9:47**
